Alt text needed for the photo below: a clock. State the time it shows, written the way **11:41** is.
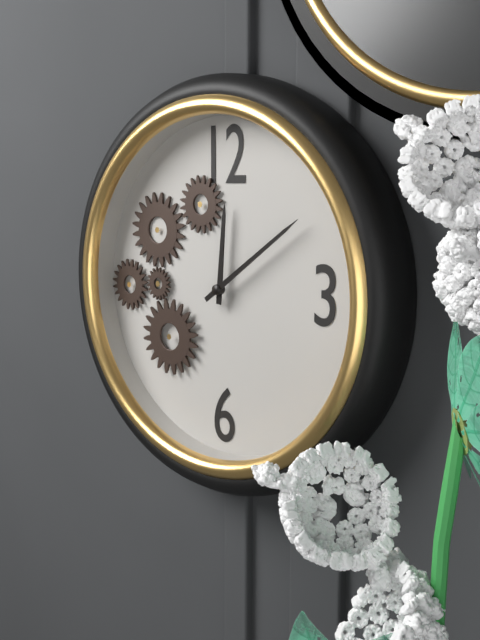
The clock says **12:09**
